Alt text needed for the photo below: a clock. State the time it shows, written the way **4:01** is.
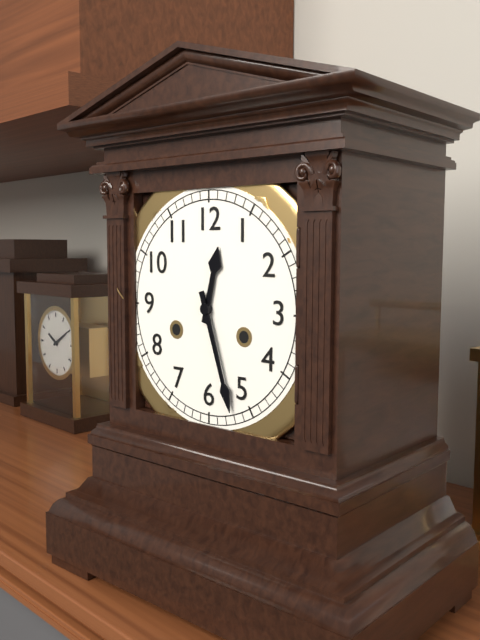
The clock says **12:27**
